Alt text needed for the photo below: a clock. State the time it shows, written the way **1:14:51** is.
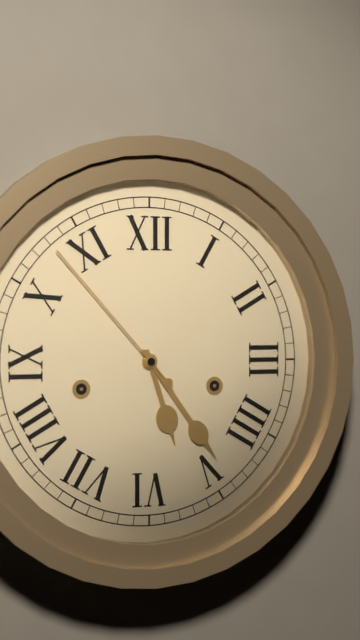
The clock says **5:24:53**
